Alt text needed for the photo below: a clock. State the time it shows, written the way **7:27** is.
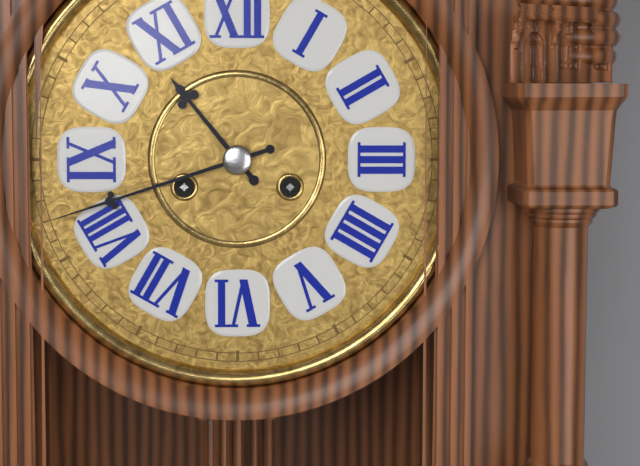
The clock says **10:42**
